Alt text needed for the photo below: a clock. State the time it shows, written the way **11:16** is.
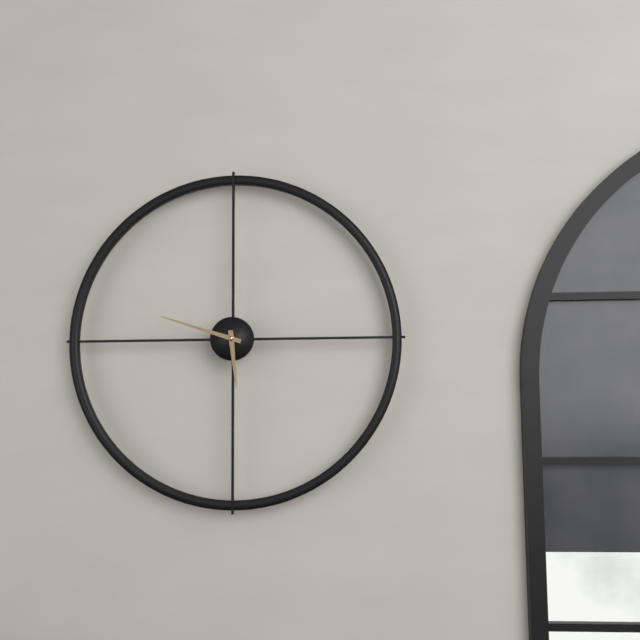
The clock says **5:48**
